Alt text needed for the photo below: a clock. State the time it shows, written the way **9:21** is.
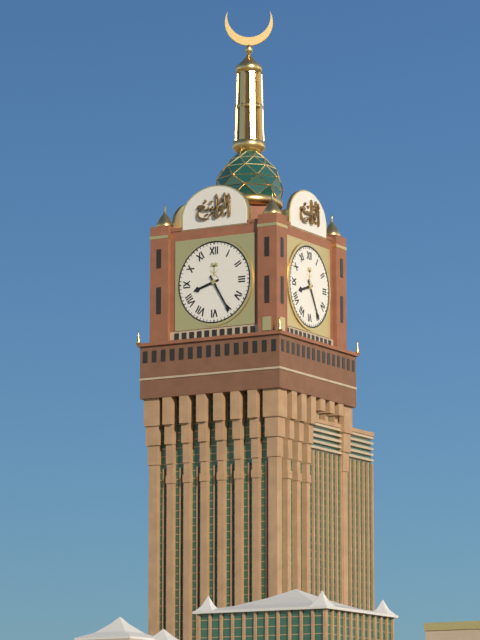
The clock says **8:25**
